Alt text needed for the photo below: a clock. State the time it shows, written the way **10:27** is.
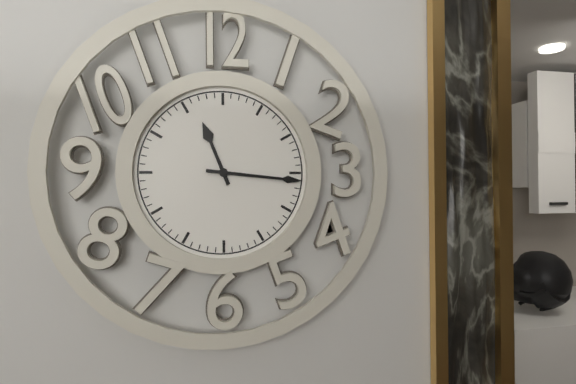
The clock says **11:16**
